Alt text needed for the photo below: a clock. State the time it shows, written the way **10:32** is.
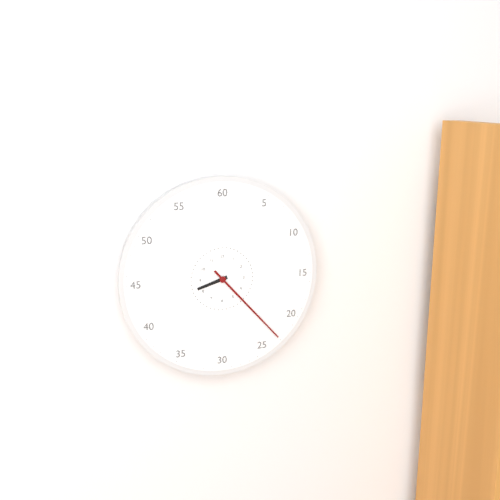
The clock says **8:23**
